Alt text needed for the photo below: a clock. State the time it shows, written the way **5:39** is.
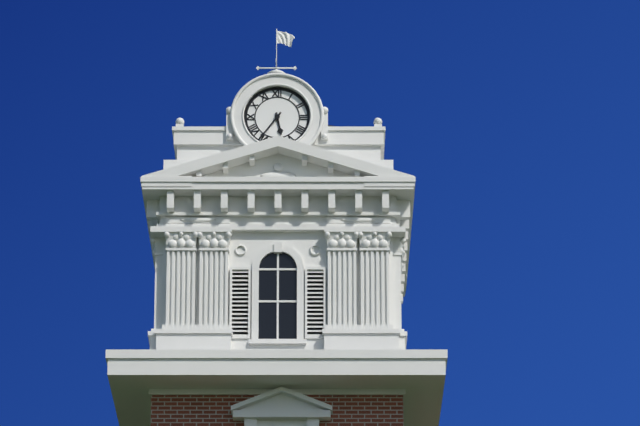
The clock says **5:36**
